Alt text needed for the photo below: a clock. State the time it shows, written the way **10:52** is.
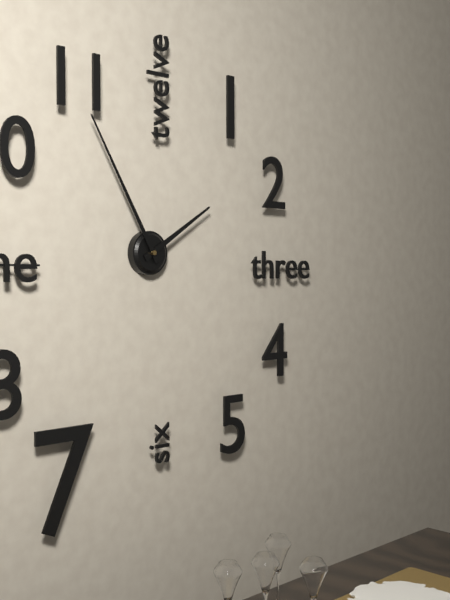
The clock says **1:55**
